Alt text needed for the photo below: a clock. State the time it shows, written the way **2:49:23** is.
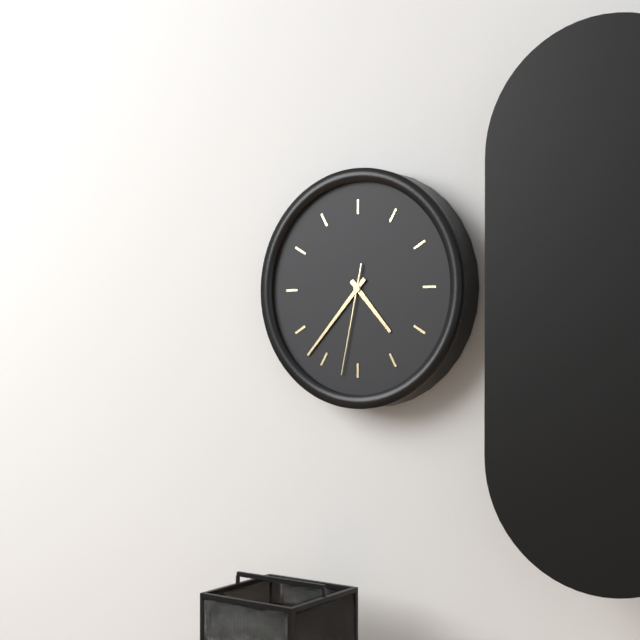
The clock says **4:37:32**
